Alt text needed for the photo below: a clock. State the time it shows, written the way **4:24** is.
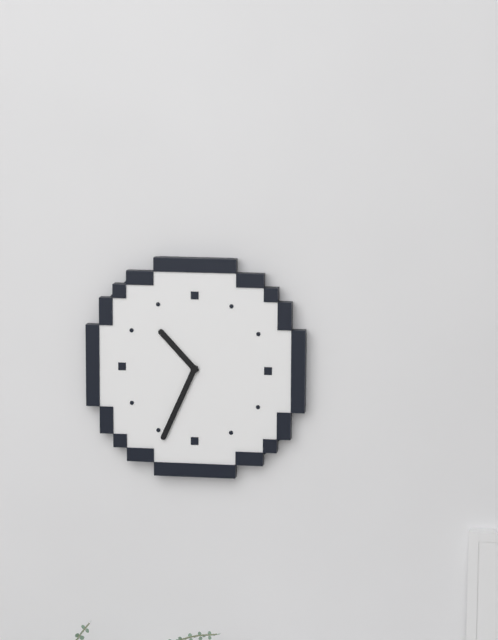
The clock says **10:34**
